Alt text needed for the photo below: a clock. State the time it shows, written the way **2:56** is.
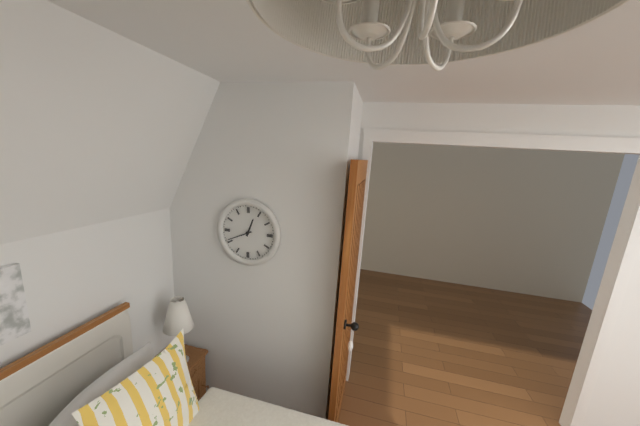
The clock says **12:41**
